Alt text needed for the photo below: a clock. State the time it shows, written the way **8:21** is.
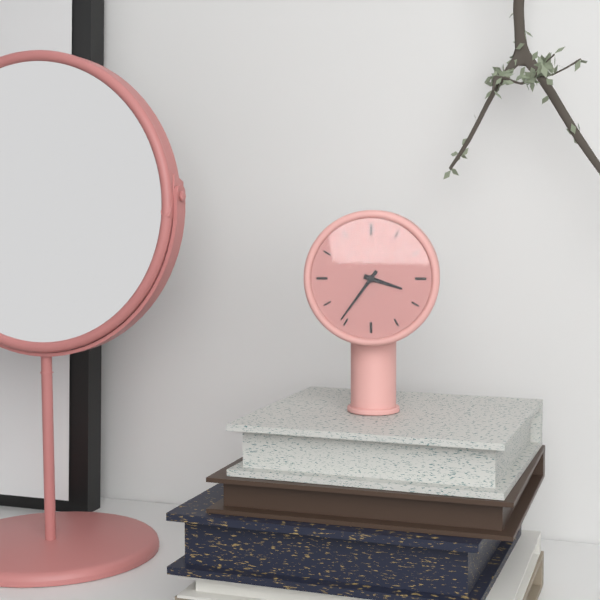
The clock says **3:36**
